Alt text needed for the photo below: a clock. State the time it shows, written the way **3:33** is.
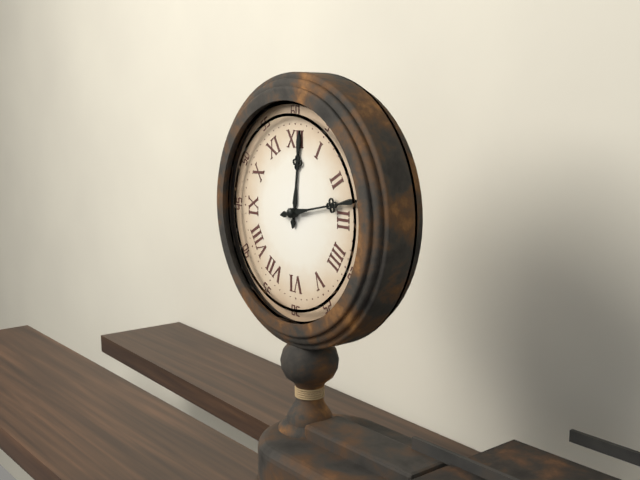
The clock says **12:13**
